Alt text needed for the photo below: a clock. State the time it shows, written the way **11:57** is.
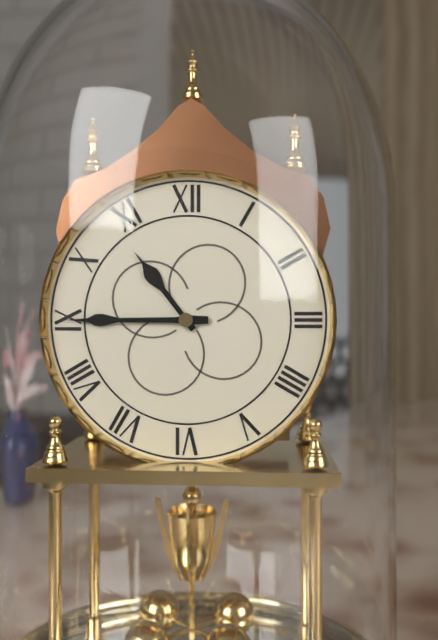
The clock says **10:45**
